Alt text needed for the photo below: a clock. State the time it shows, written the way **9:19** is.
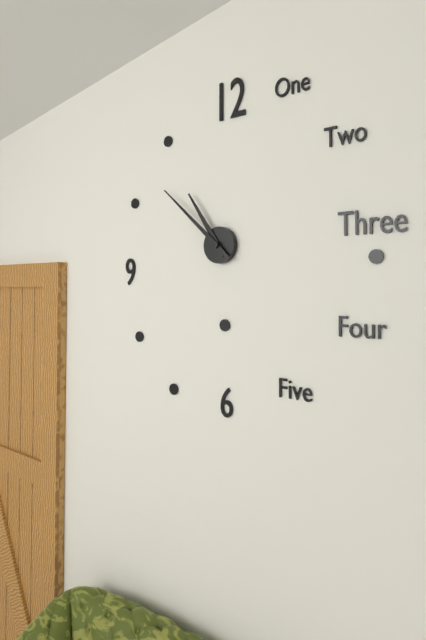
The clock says **10:52**
